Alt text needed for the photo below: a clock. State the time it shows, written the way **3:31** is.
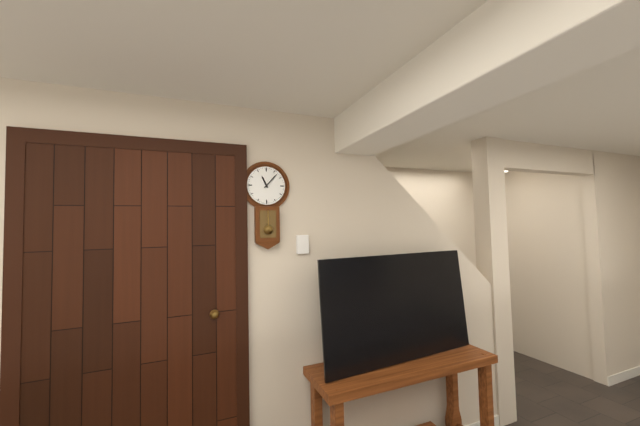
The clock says **11:07**
